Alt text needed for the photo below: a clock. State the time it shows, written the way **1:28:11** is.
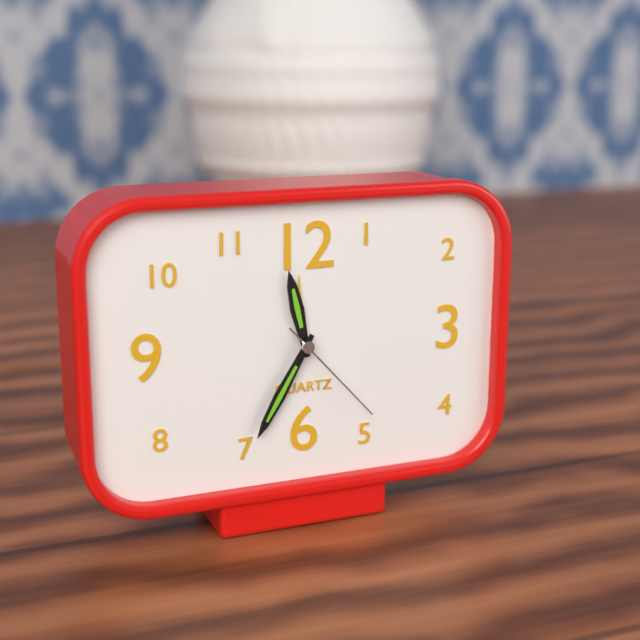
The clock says **11:35:23**
